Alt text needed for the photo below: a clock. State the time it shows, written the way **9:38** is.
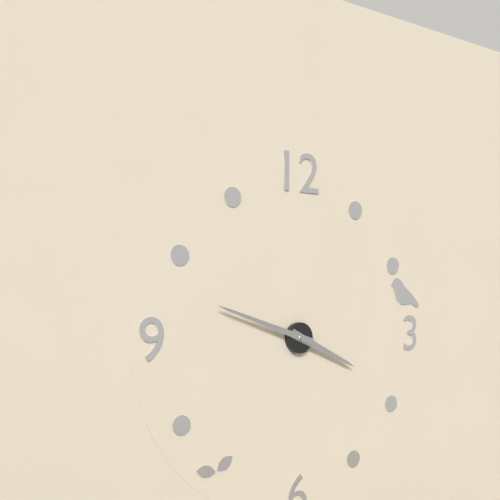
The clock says **3:48**
